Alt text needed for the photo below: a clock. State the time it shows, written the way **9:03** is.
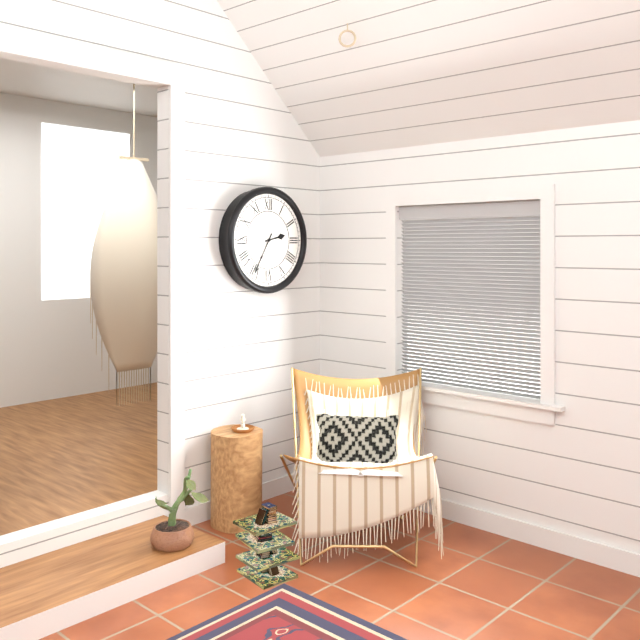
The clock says **2:35**
